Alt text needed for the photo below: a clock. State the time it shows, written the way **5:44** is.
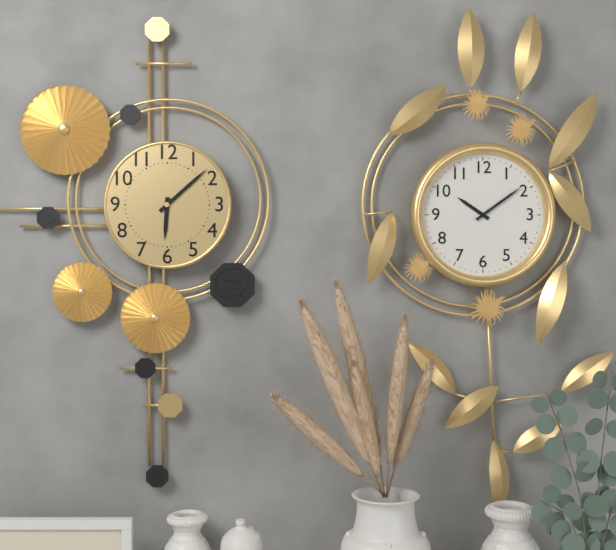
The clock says **6:08**
